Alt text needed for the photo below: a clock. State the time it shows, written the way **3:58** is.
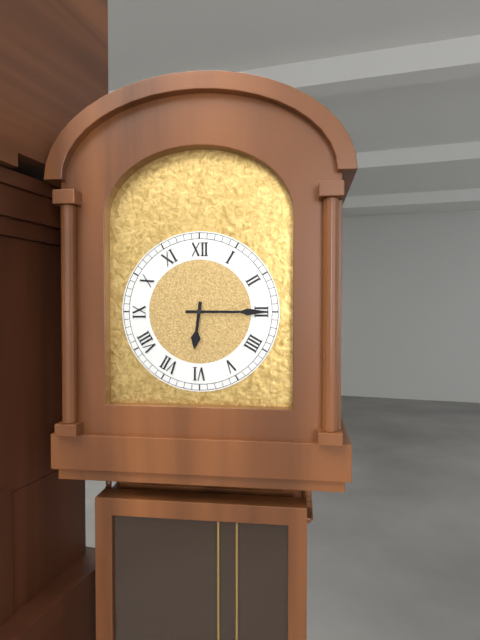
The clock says **6:15**
